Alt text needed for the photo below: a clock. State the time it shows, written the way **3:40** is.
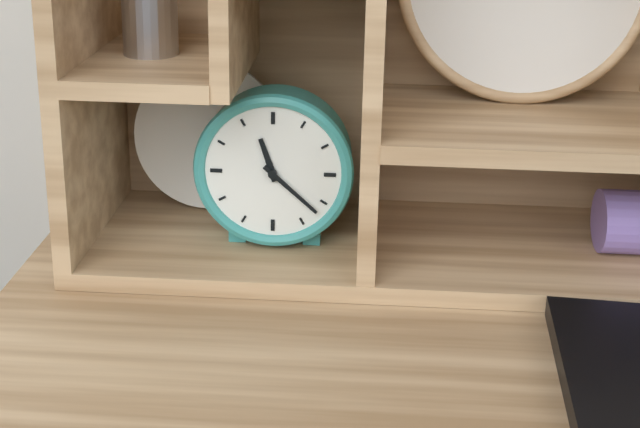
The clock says **11:22**
